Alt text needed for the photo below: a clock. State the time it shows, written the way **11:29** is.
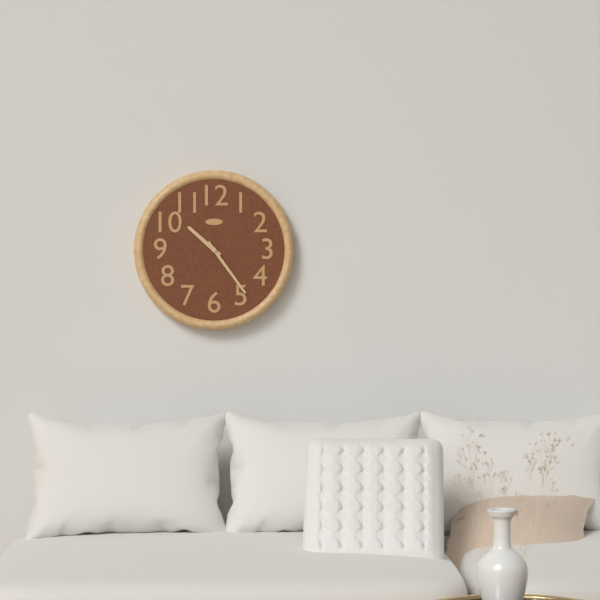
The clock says **10:24**
